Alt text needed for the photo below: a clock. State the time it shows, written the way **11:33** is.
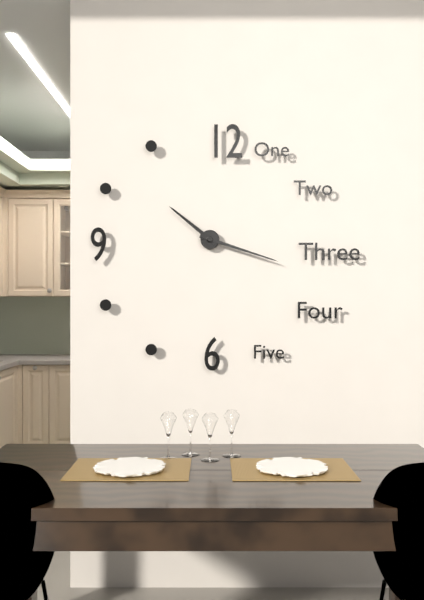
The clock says **10:18**
